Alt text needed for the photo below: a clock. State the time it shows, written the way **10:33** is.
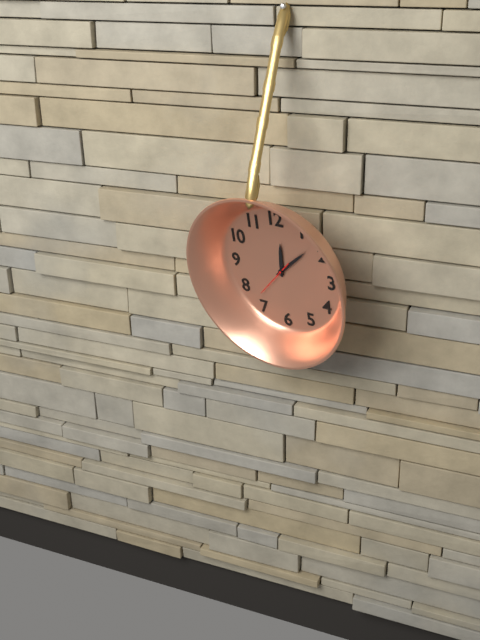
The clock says **12:08**
